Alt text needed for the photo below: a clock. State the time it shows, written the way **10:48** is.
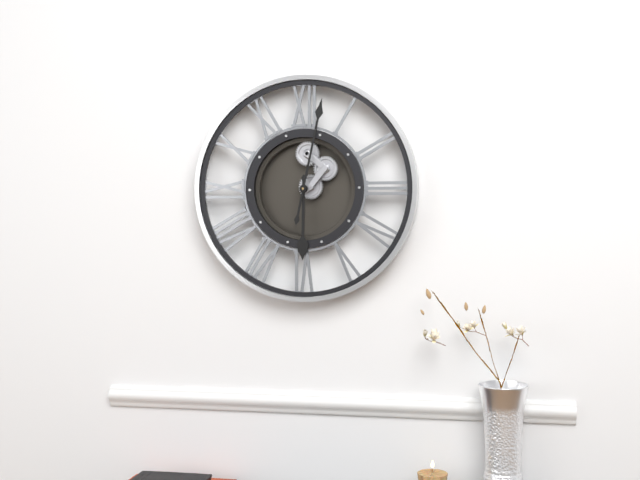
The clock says **6:02**
